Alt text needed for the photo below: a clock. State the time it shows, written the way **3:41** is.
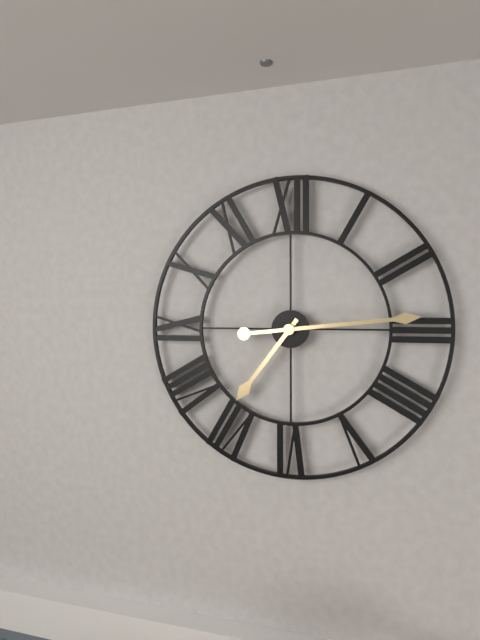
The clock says **7:14**
